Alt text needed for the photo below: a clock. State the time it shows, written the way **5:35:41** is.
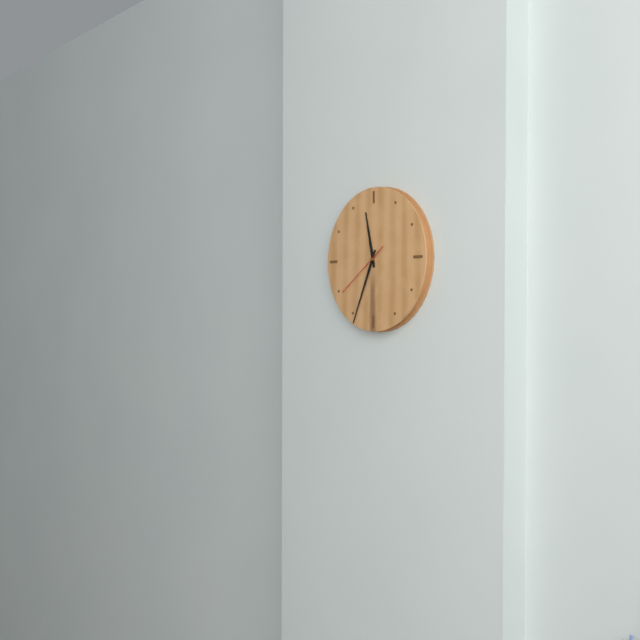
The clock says **11:34:39**
